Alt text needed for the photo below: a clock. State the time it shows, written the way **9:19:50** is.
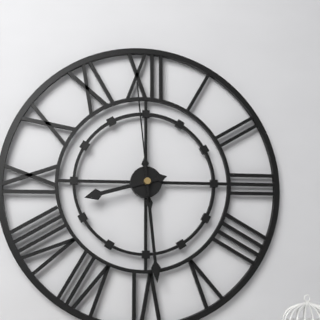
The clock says **8:29:59**
